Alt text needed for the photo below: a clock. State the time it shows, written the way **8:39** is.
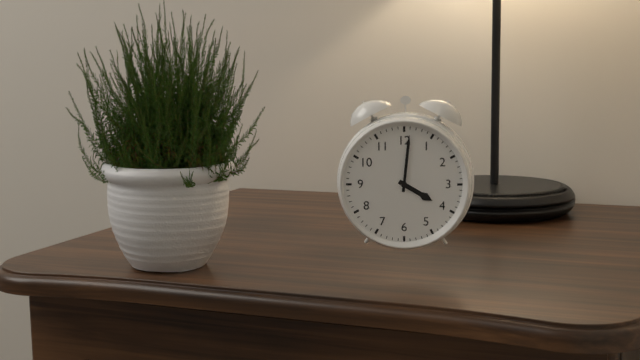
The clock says **4:01**
